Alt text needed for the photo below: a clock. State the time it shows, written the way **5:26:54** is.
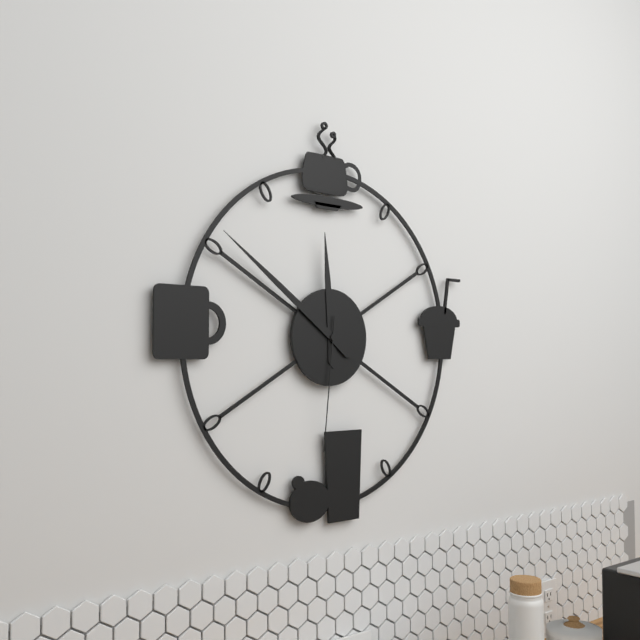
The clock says **11:51:31**
